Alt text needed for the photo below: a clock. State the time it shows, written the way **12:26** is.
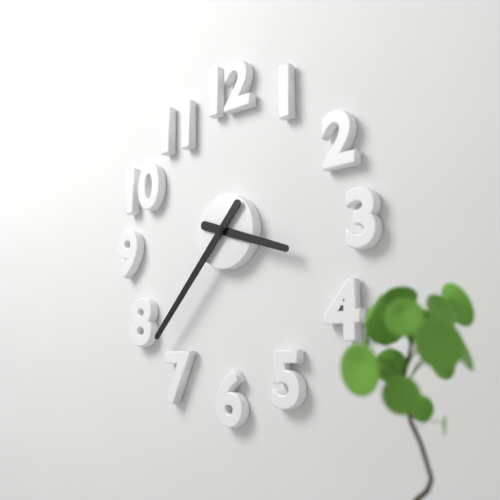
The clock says **3:37**
